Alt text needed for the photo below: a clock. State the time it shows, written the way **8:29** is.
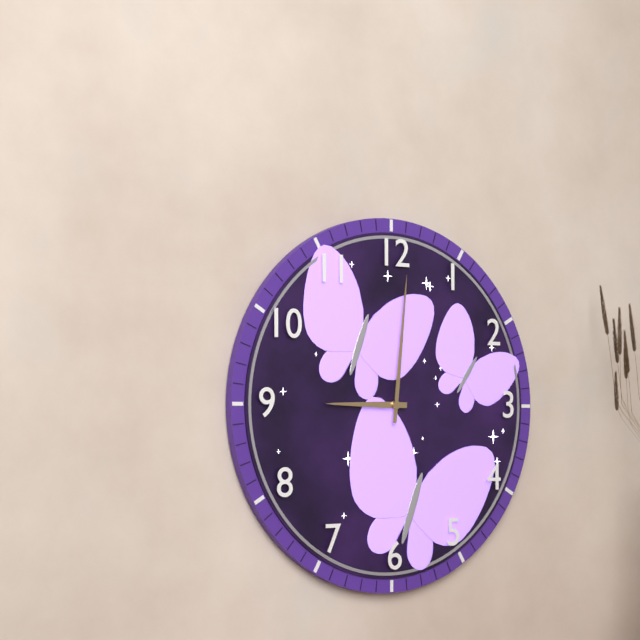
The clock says **9:01**
